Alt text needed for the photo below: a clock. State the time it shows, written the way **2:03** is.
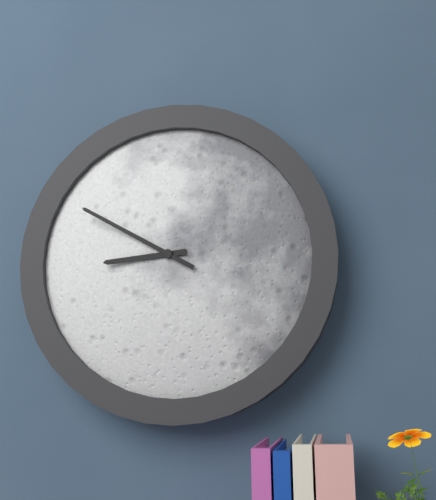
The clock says **8:50**
